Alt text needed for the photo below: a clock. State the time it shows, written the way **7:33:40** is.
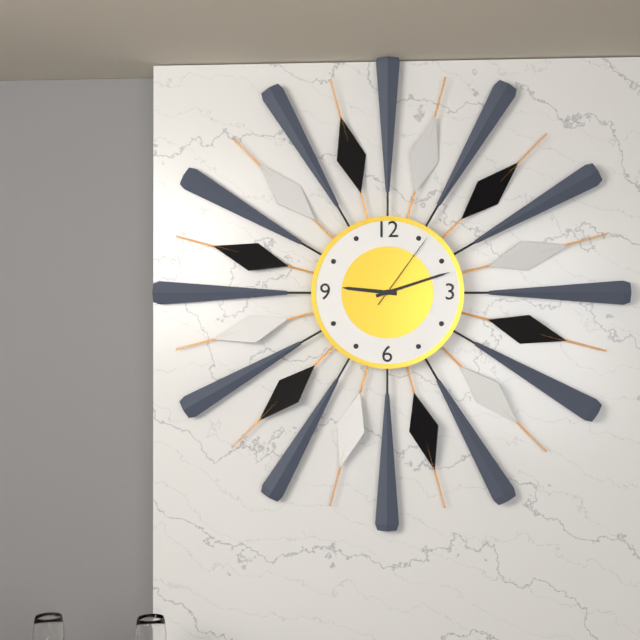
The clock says **9:12:06**
